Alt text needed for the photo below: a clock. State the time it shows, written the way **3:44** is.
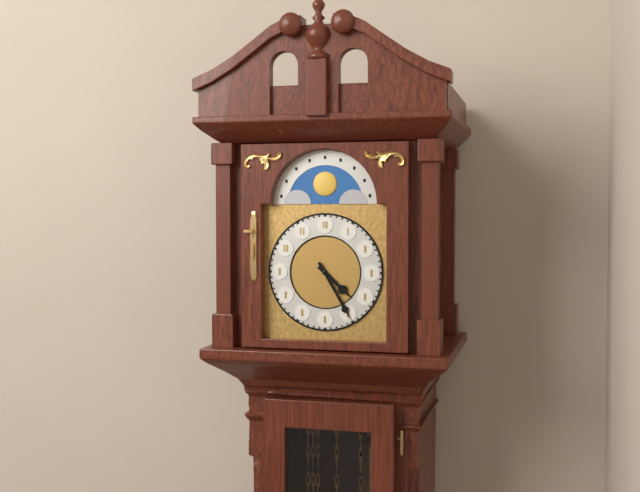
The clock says **4:25**
